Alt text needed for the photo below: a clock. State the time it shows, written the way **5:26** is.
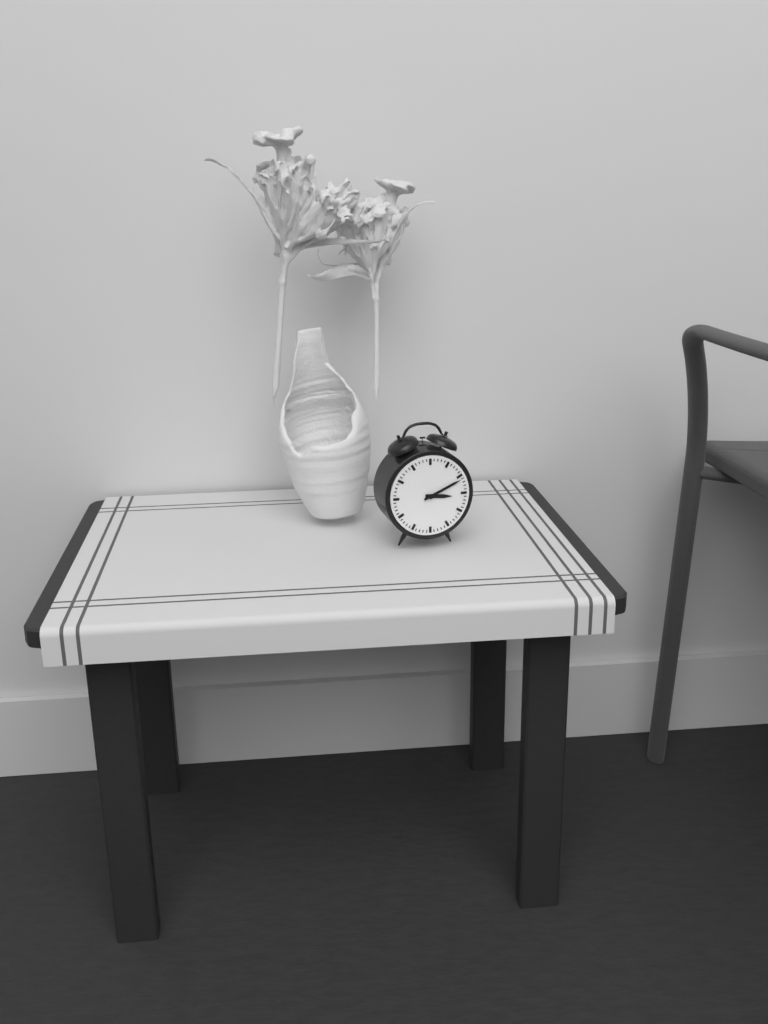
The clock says **3:11**
